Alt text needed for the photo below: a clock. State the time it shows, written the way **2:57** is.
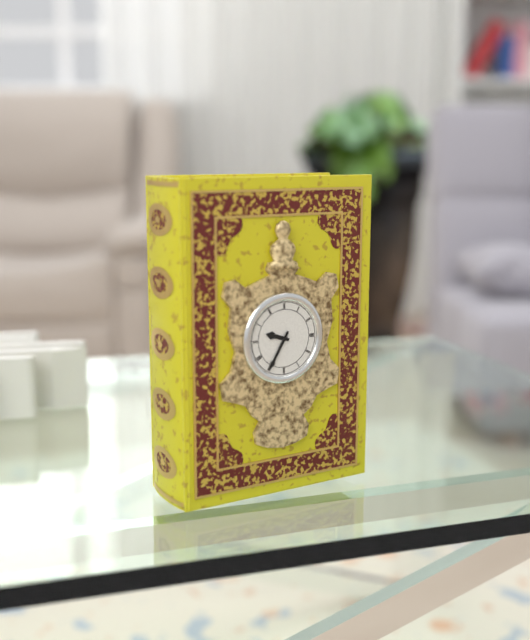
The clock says **9:35**
